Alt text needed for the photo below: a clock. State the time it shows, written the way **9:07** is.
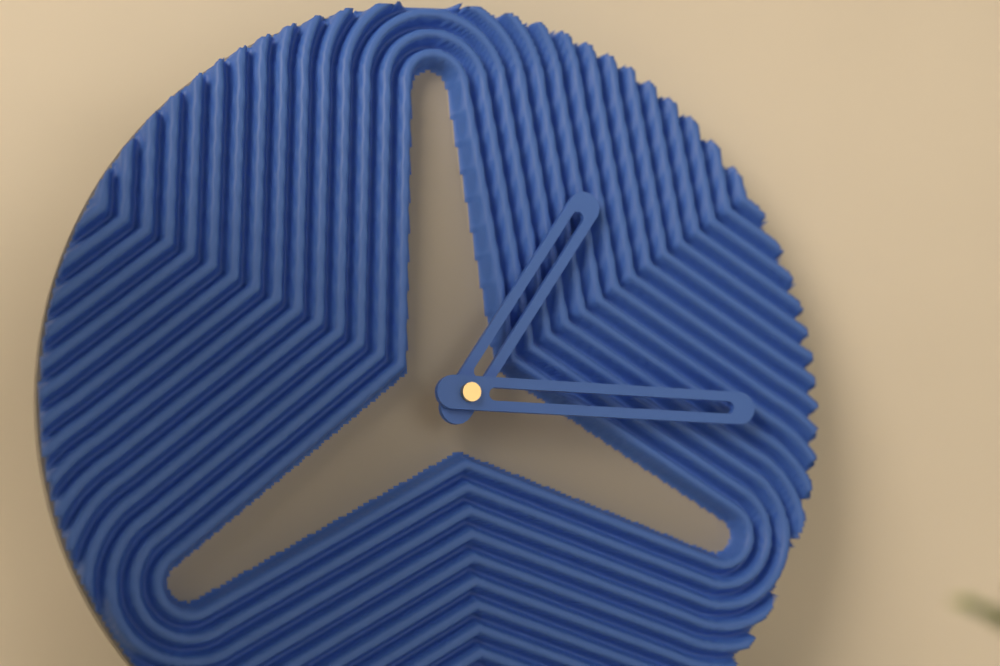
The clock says **1:16**
